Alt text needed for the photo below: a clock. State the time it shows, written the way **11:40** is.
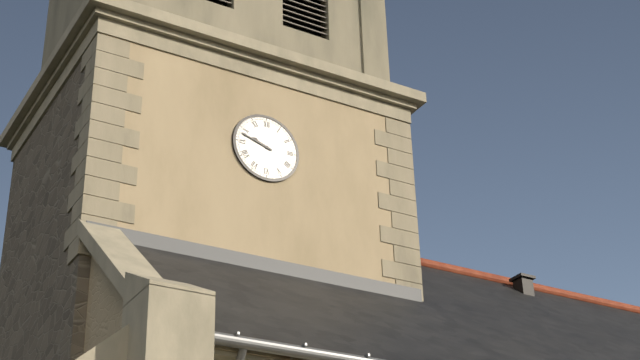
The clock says **9:48**
